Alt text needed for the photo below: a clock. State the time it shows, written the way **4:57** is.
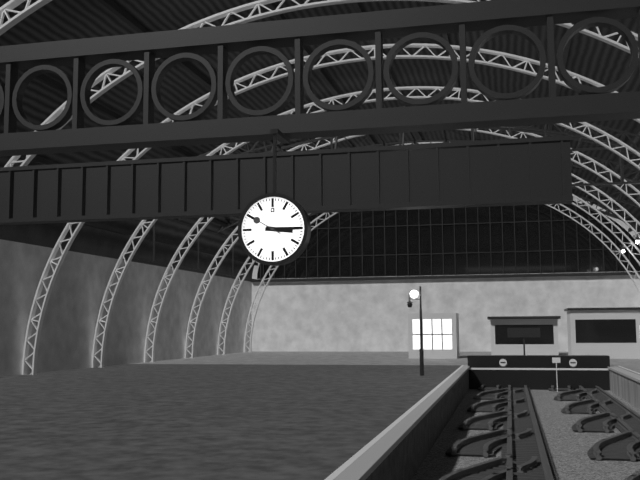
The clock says **3:15**
